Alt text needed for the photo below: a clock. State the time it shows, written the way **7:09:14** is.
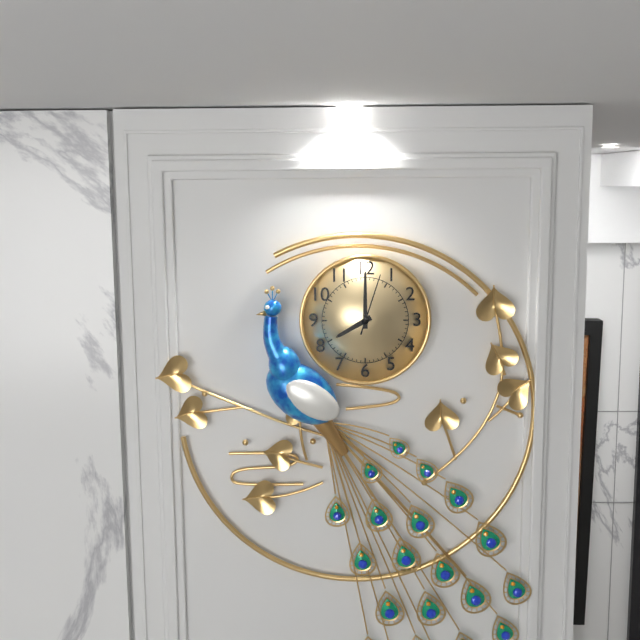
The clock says **8:00:03**
